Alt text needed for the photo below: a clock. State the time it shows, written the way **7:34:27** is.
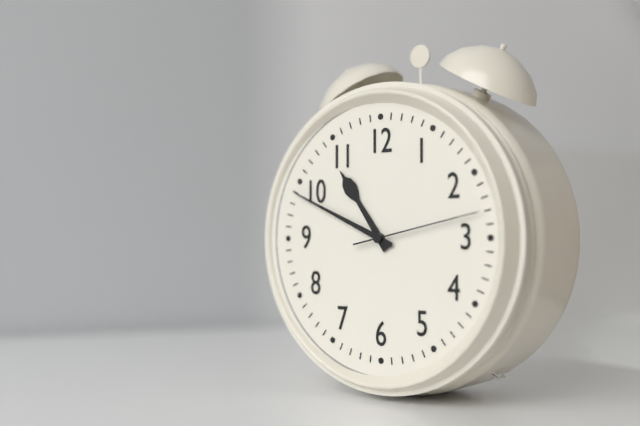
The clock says **10:49:13**
